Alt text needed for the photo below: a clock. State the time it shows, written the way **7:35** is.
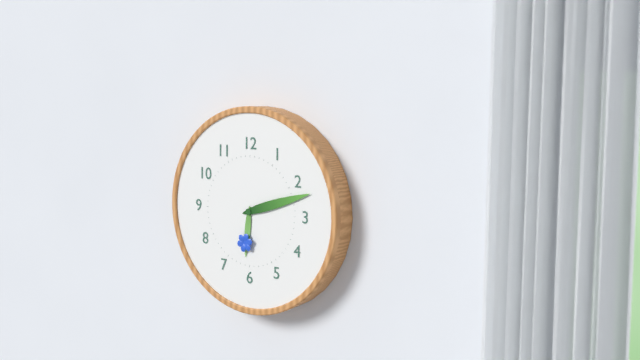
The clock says **6:12**
